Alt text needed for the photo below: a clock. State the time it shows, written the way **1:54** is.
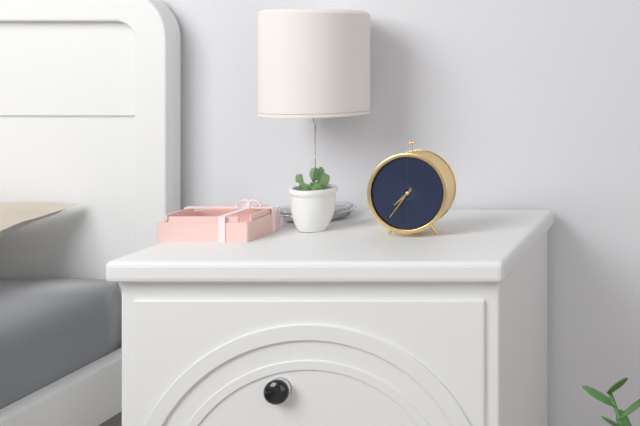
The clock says **7:36**
